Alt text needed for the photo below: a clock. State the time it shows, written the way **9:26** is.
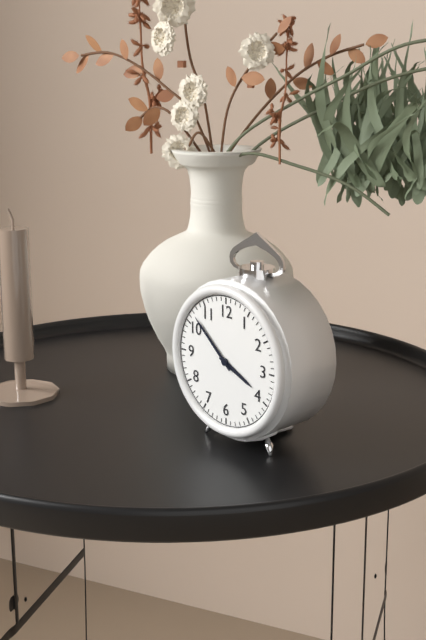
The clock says **3:52**
